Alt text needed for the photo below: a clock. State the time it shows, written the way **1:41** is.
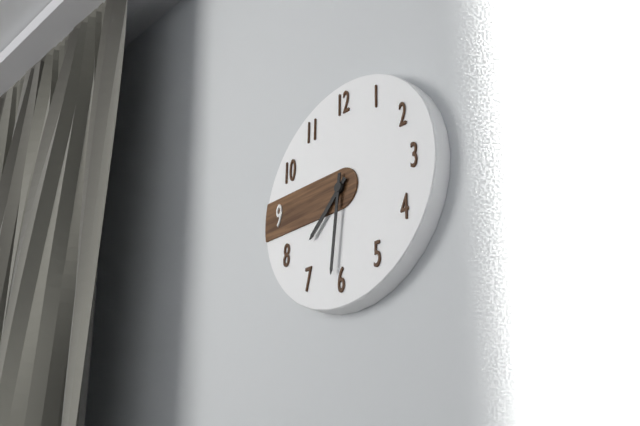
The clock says **7:31**
